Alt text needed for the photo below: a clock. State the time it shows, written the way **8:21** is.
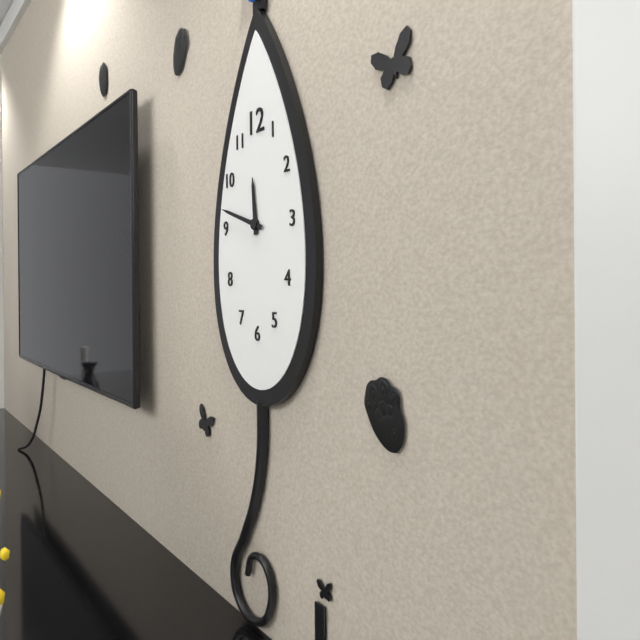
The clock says **11:48**
